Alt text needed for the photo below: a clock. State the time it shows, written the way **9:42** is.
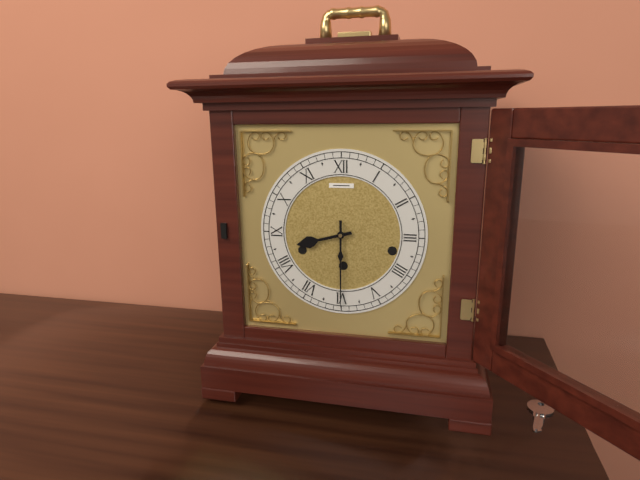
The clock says **8:30**
